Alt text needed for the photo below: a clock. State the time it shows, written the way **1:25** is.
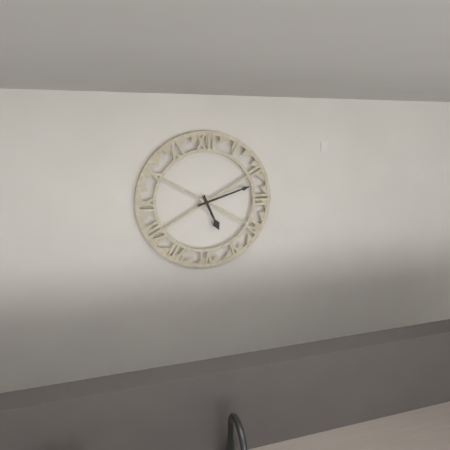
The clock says **5:12**
